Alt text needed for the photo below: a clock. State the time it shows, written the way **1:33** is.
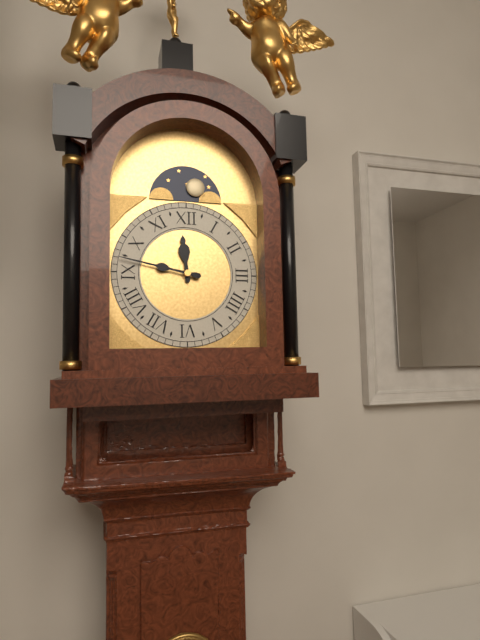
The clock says **11:47**
